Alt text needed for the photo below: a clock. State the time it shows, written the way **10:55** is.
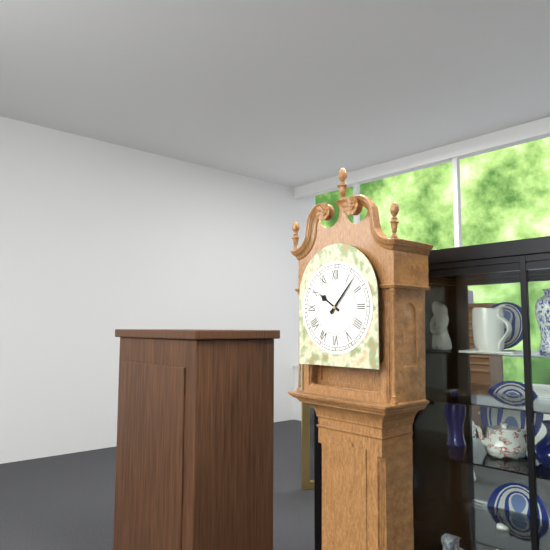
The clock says **10:07**
